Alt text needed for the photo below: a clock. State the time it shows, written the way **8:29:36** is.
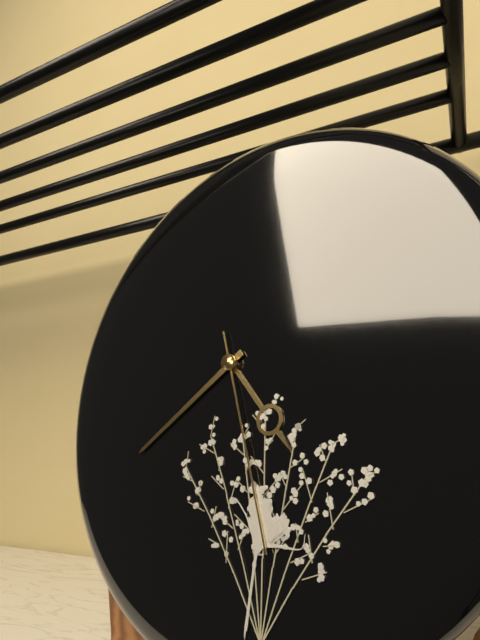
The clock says **4:39:27**
